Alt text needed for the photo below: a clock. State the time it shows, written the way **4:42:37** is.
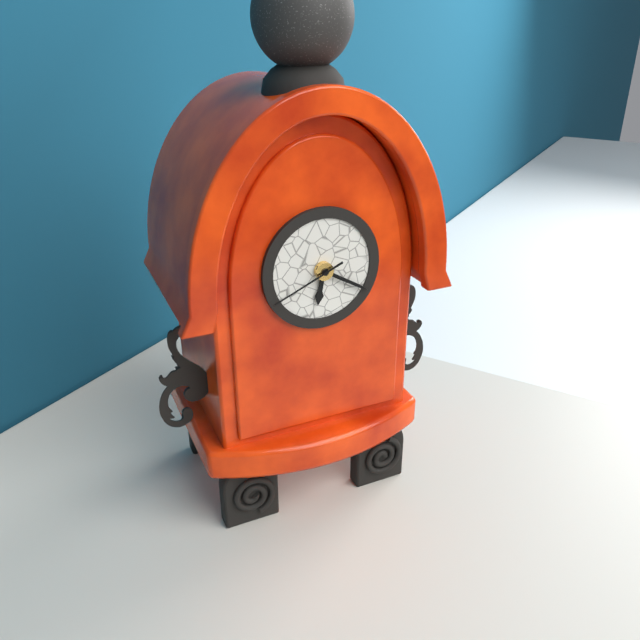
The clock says **6:20:41**
